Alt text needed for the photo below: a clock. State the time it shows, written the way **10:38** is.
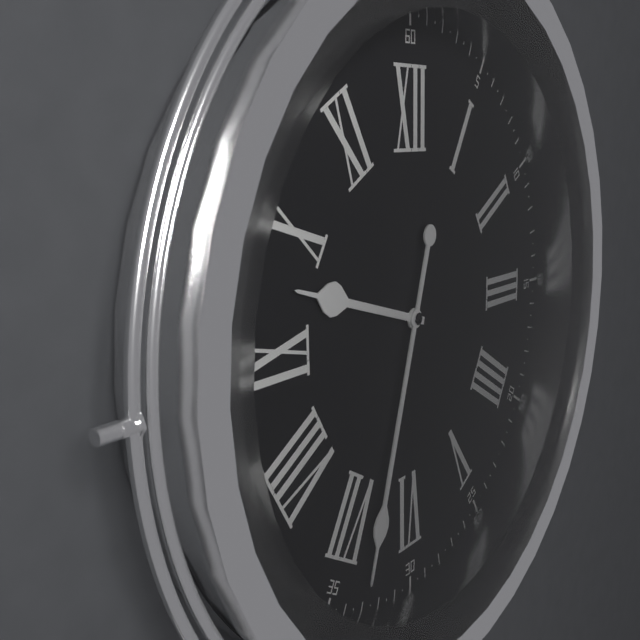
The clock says **9:33**
